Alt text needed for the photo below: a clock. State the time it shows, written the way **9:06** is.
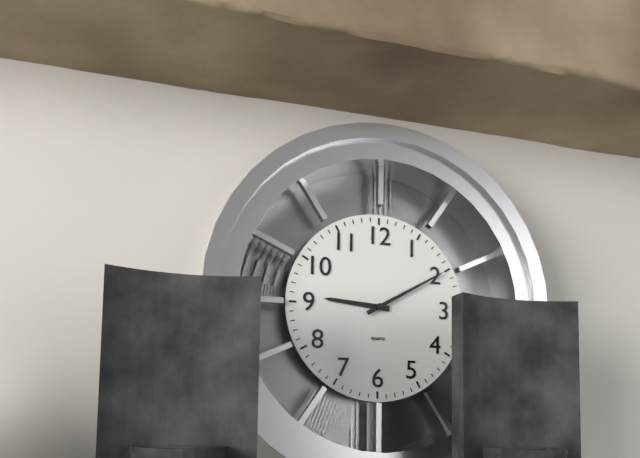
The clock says **9:10**
